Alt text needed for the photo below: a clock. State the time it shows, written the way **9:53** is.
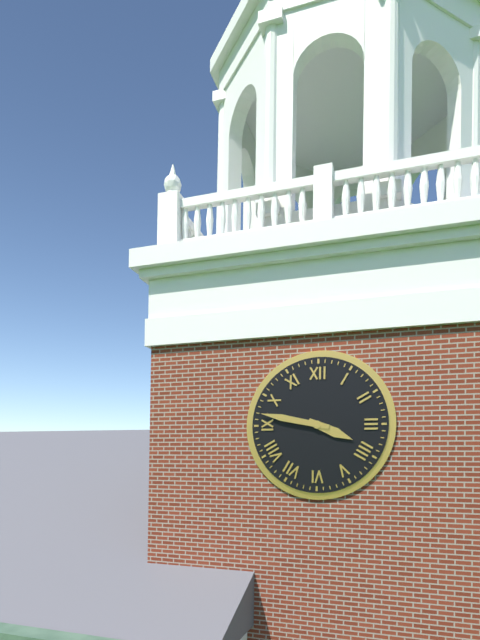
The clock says **3:47**
